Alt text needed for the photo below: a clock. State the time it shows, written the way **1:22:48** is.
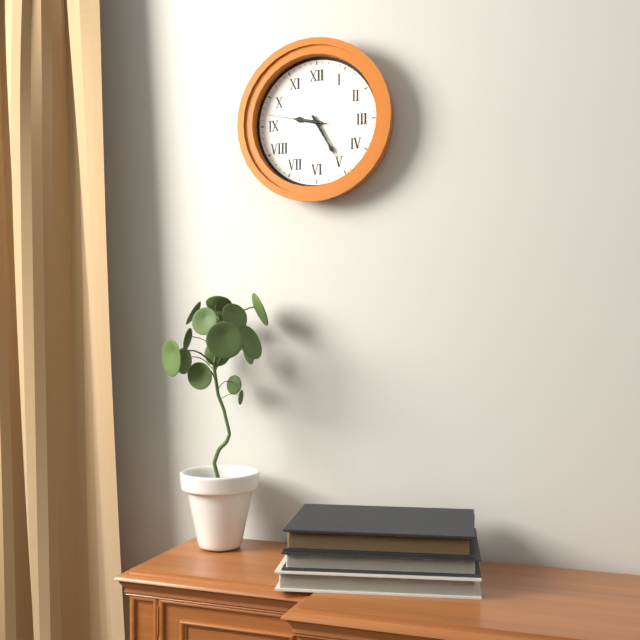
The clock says **9:25:47**
